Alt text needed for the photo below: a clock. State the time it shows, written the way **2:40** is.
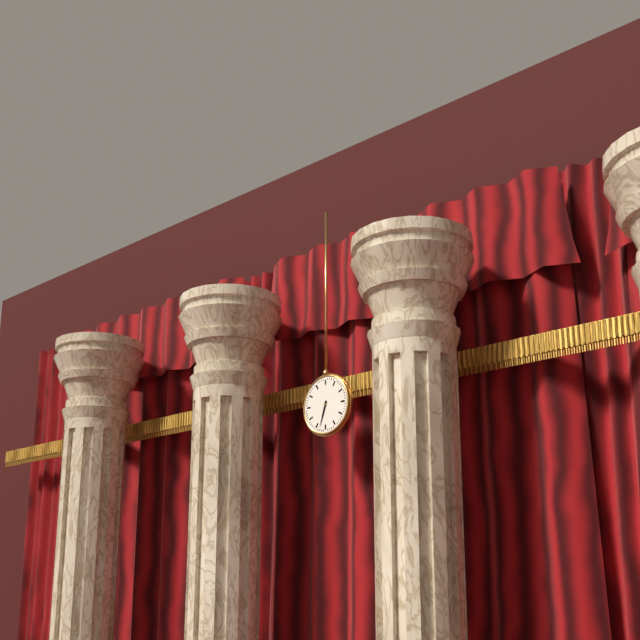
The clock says **6:33**
